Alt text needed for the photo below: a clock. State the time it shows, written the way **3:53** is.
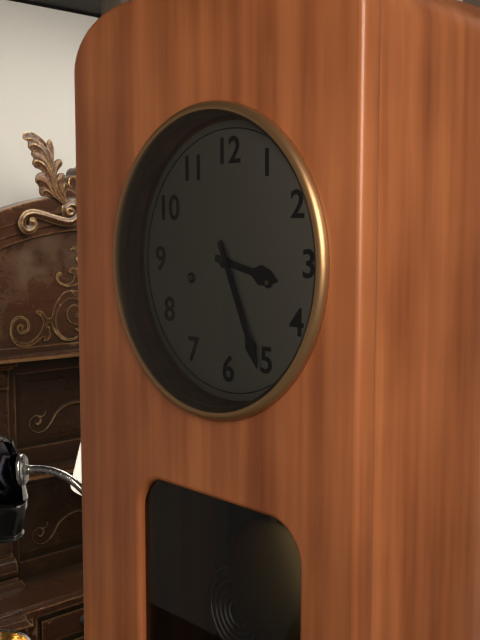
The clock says **3:26**
